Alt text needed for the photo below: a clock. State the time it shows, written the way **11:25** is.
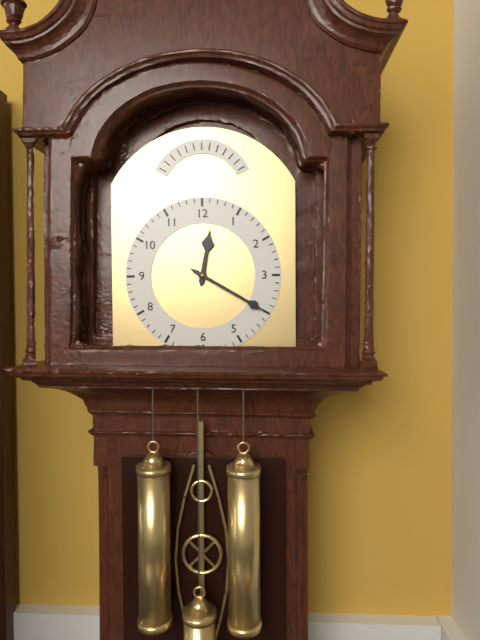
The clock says **12:20**
